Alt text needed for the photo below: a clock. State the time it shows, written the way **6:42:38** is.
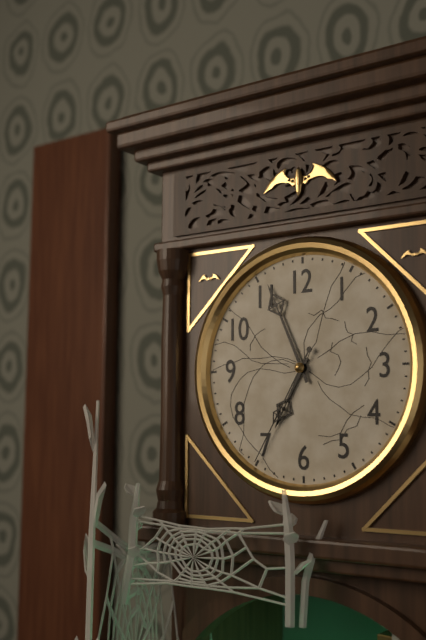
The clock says **6:56:35**
